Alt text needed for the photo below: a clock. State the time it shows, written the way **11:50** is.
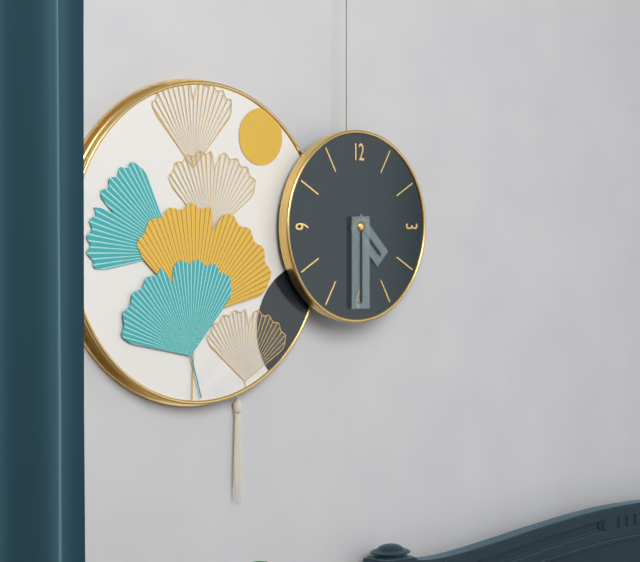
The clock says **4:30**
